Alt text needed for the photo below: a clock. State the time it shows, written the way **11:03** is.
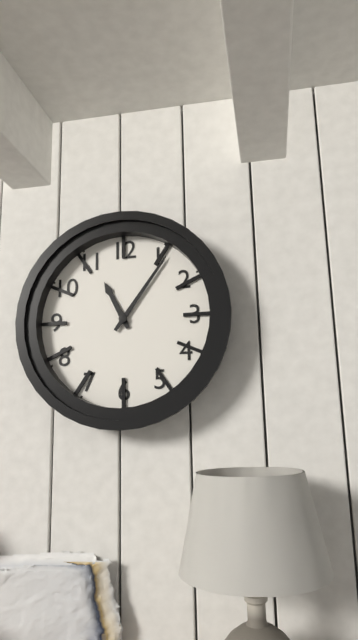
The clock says **11:06**
